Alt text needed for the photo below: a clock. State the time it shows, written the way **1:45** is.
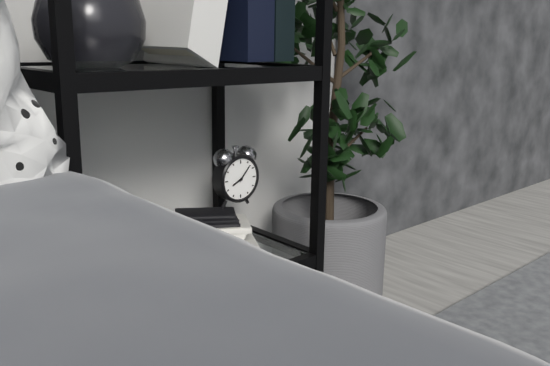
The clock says **8:07**
